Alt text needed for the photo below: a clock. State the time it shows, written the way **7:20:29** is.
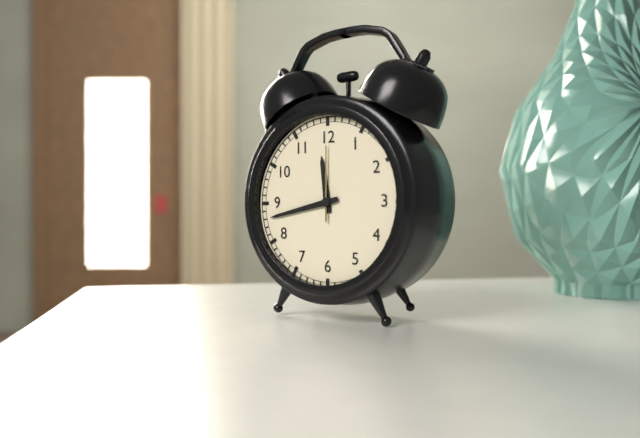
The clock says **11:43:00**
